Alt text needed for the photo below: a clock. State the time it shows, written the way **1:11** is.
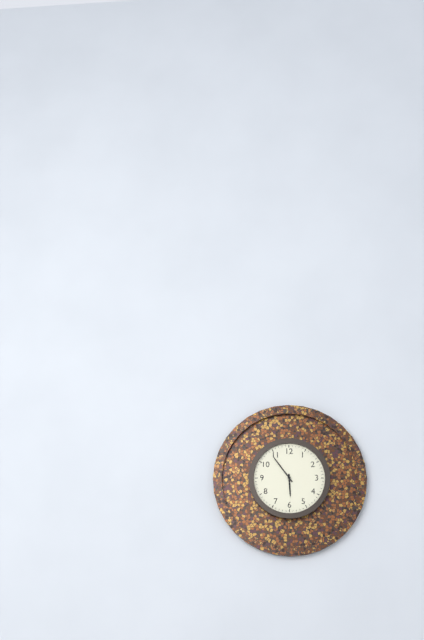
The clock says **5:54**
